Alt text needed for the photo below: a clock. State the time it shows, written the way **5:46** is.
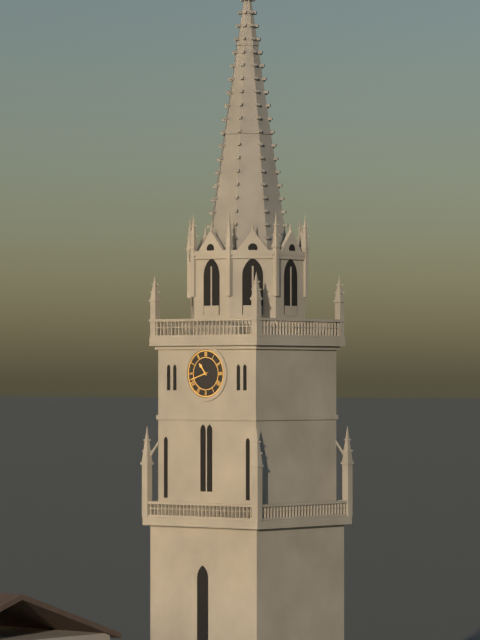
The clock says **10:42**
